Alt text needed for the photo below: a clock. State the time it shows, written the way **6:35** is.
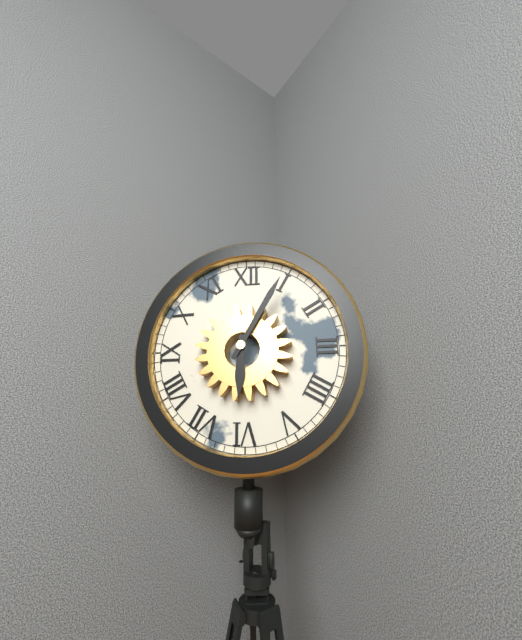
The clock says **6:05**
